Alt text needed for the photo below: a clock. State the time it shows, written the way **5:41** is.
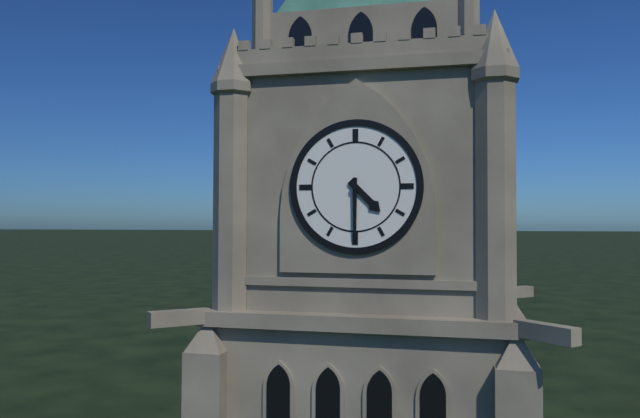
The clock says **4:30**
